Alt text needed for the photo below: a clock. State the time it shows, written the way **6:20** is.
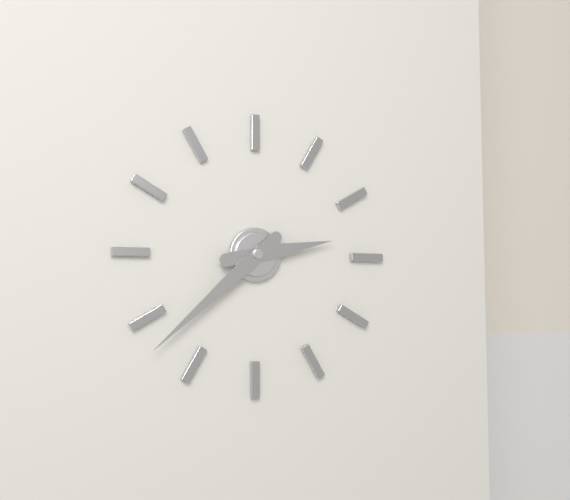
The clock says **2:38**
